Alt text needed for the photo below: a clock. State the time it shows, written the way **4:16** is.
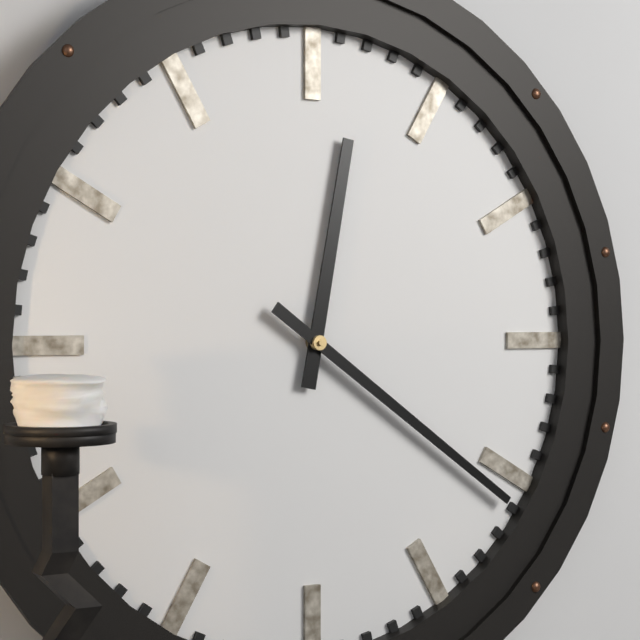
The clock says **12:21**
